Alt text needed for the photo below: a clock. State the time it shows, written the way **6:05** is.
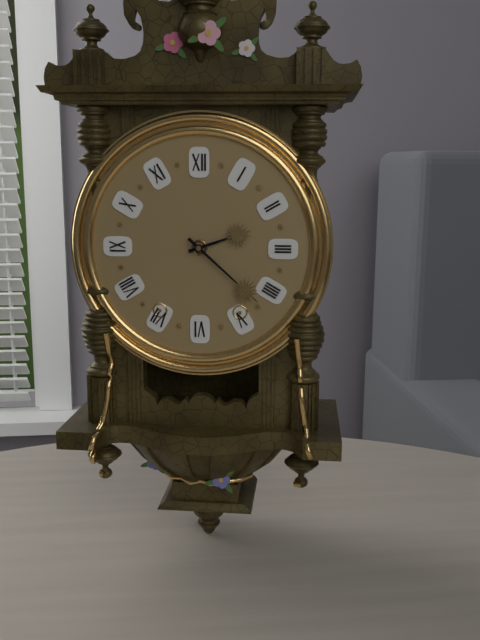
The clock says **2:22**
